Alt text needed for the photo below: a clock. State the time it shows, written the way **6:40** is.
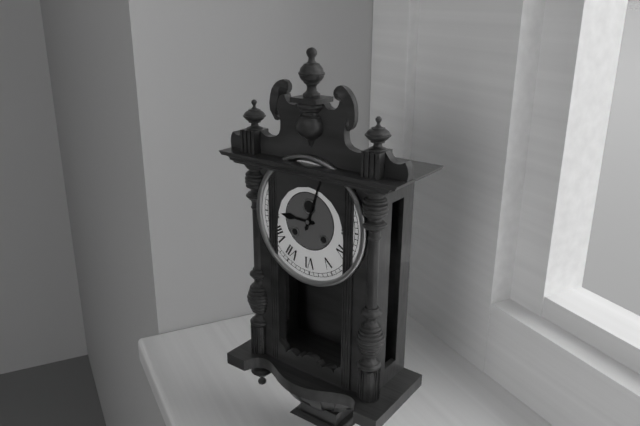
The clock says **9:03**
